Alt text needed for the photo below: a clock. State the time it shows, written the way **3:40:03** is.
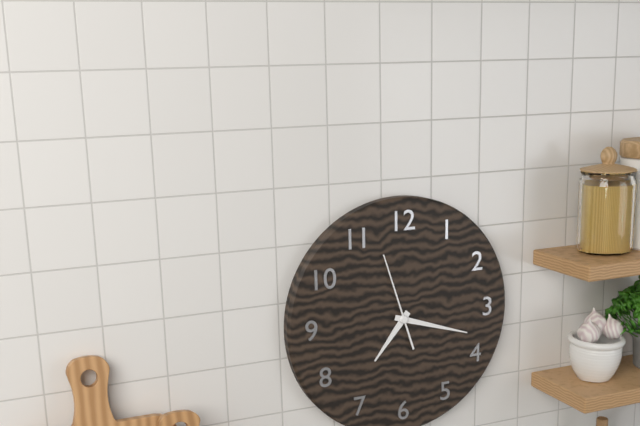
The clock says **7:18:57**
